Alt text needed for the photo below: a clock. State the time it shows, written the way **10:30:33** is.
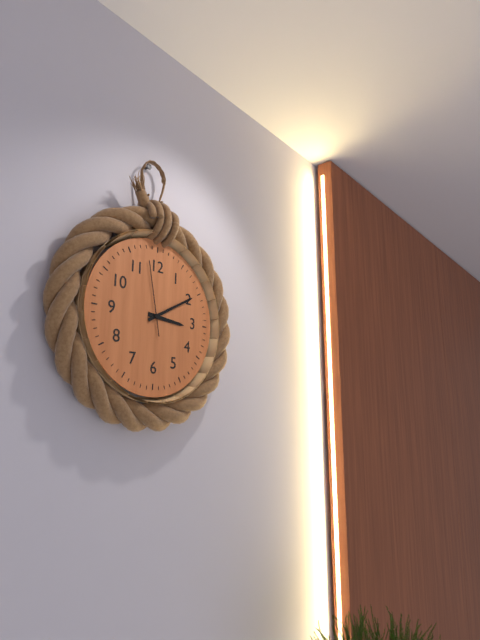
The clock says **3:10:58**
